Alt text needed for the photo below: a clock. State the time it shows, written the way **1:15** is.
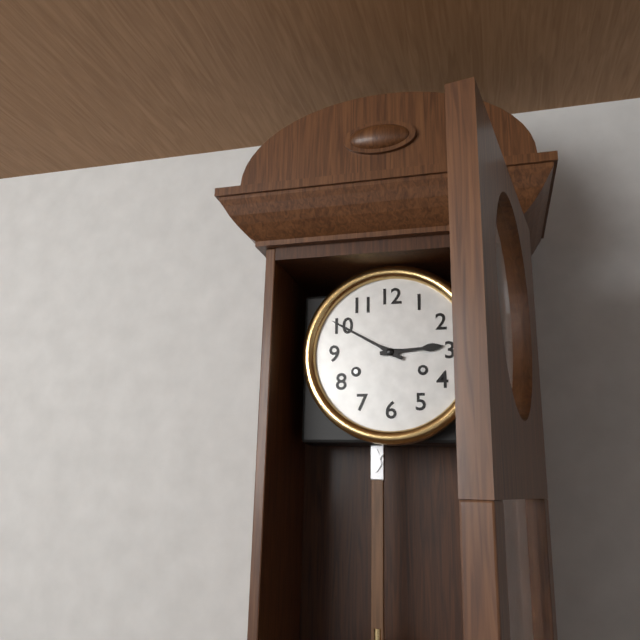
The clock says **2:50**
